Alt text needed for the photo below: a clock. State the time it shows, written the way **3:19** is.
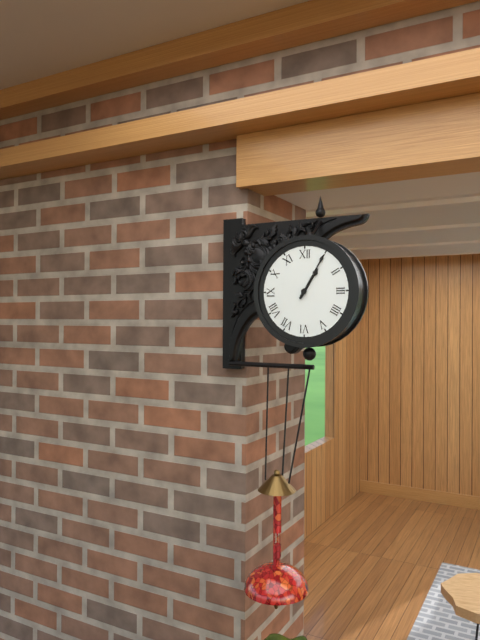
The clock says **1:05**
